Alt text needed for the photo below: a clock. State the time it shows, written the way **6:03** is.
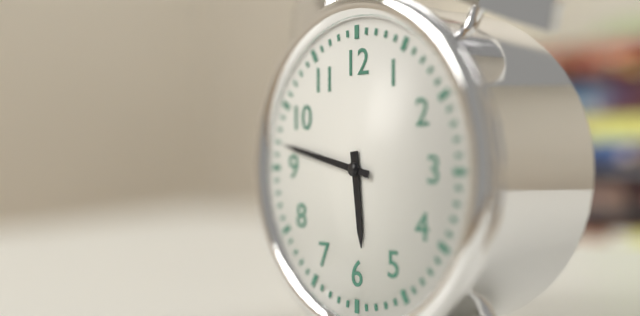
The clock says **5:47**
